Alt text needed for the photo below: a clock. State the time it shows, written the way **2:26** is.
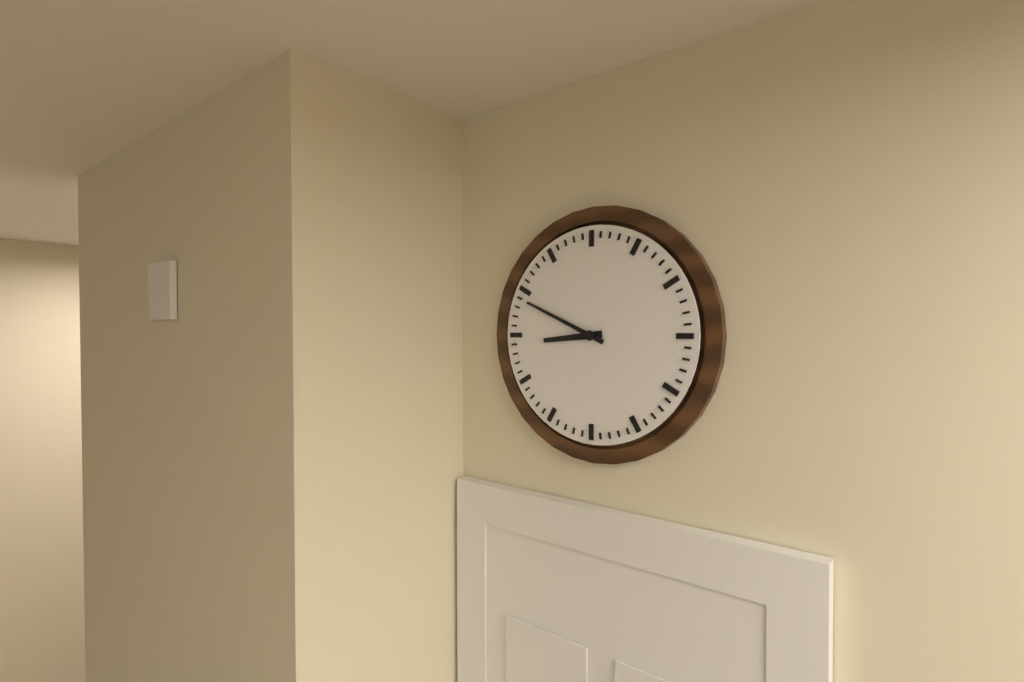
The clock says **8:49**
